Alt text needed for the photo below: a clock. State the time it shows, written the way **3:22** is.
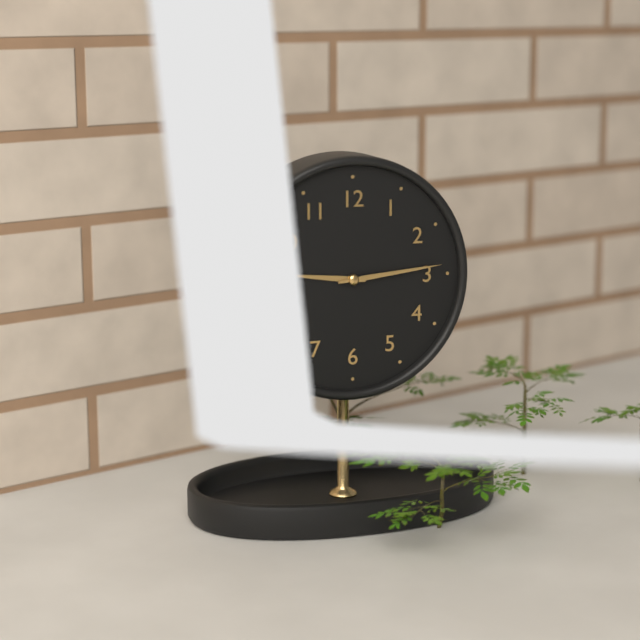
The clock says **9:14**
